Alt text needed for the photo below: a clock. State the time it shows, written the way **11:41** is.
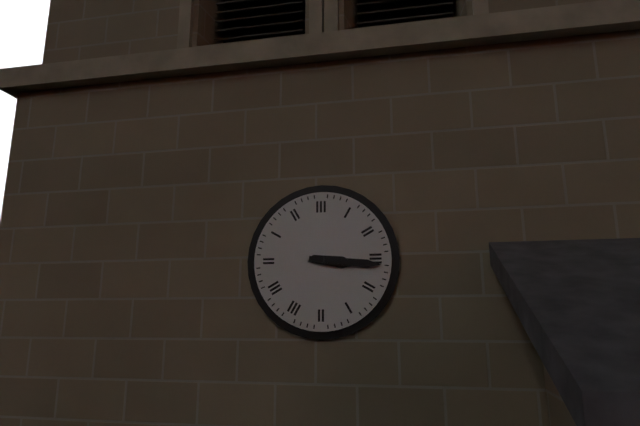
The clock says **3:16**
